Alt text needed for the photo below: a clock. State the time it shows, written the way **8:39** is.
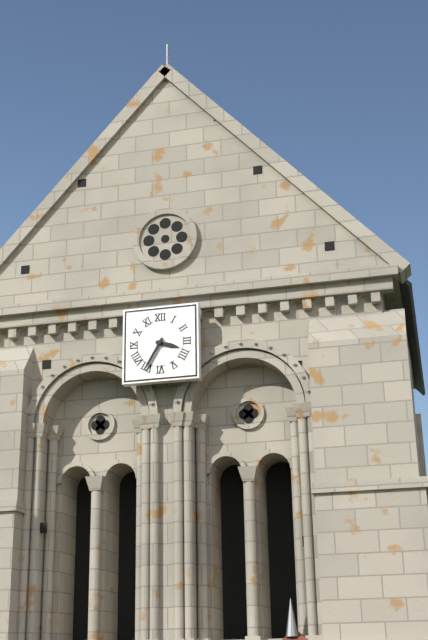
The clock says **3:35**
